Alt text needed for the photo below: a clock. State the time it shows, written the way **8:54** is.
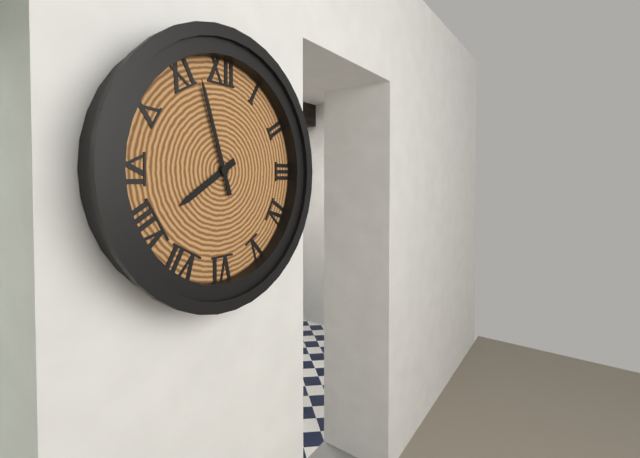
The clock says **7:57**
